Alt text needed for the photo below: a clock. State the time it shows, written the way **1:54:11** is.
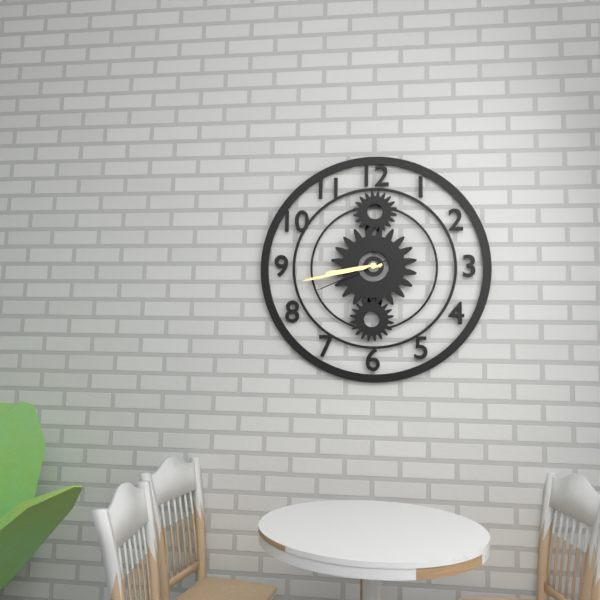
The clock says **8:43:41**
